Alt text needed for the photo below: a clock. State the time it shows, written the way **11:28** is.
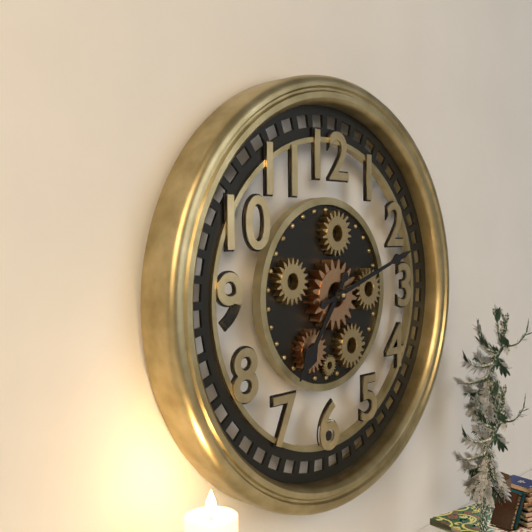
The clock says **7:12**
